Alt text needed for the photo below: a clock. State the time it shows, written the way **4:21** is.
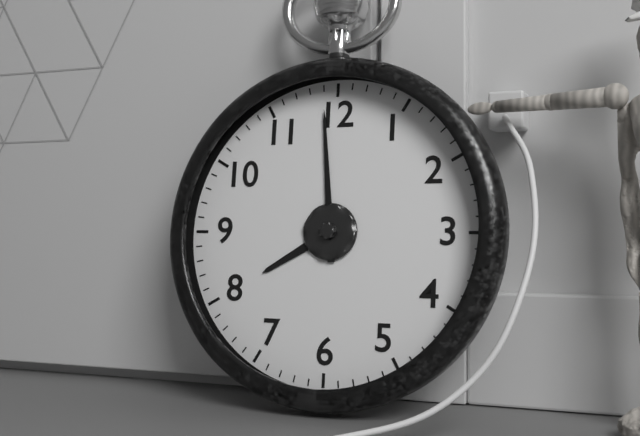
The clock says **7:59**
